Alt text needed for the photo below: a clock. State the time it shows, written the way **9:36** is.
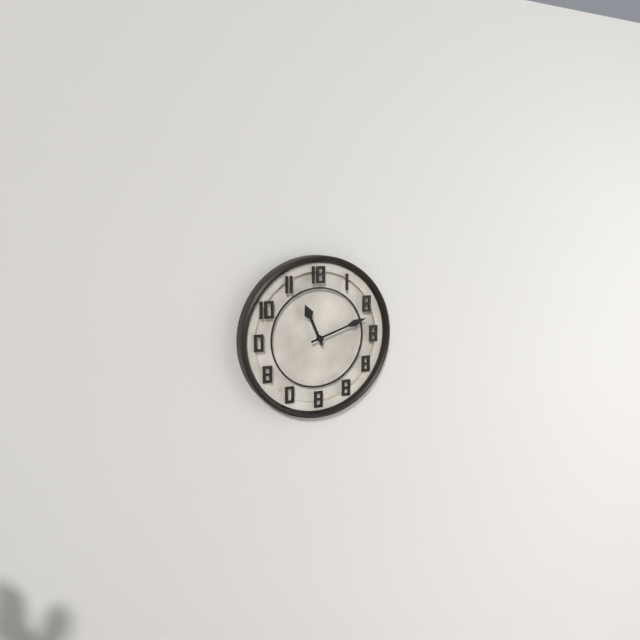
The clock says **11:12**
